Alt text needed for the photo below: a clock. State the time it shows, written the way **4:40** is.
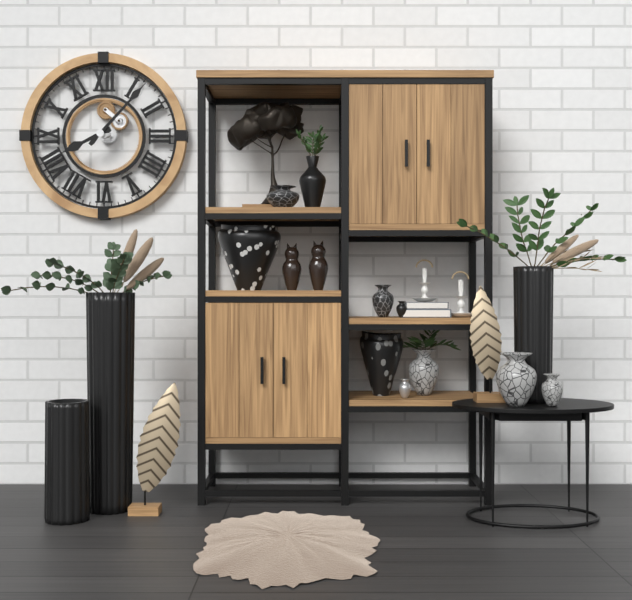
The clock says **8:07**
